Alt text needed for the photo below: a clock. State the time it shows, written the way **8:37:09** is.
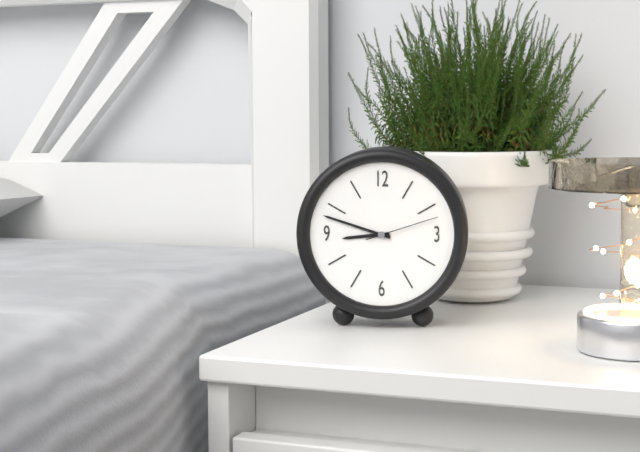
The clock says **8:48:12**
